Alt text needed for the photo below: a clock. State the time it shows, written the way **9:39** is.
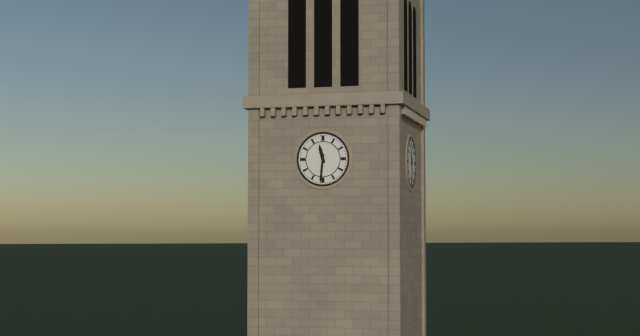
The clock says **11:31**
